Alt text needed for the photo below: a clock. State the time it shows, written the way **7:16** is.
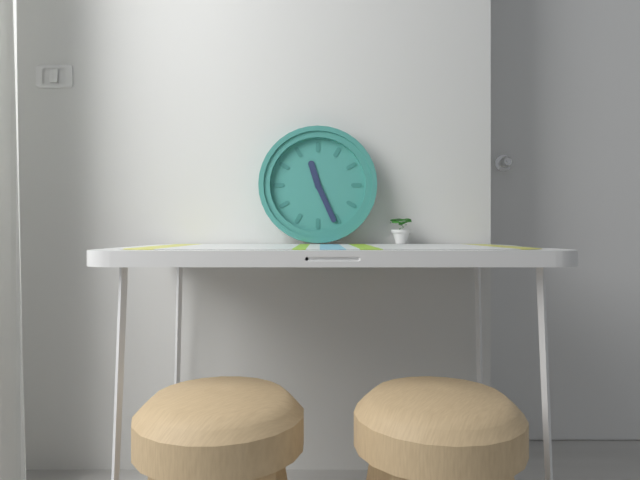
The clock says **11:26**
